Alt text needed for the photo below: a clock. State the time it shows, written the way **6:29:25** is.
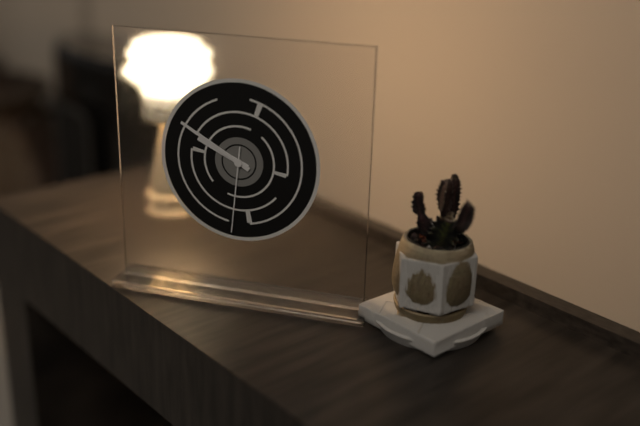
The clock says **9:50:31**
